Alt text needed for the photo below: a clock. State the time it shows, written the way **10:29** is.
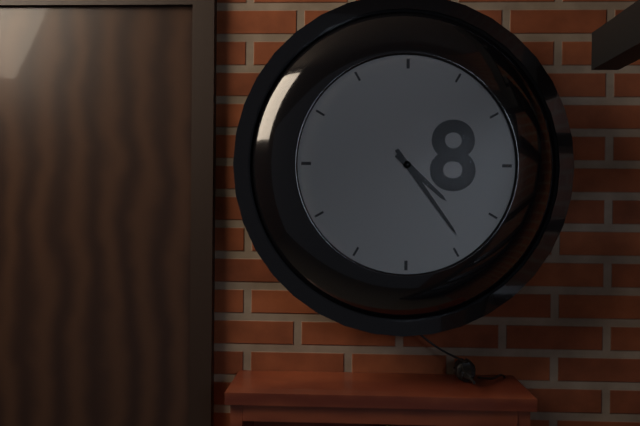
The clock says **4:24**
